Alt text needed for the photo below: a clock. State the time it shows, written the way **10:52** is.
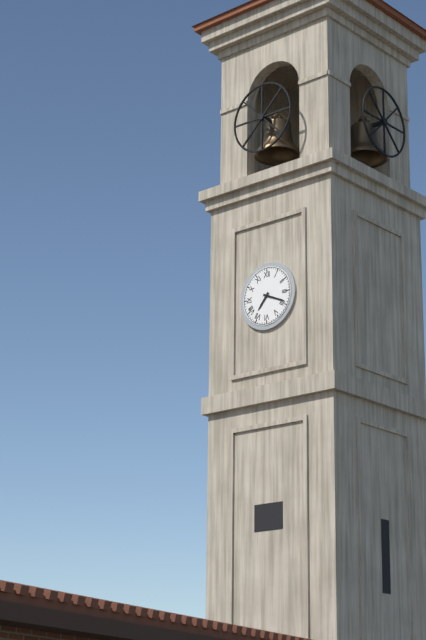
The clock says **7:19**
